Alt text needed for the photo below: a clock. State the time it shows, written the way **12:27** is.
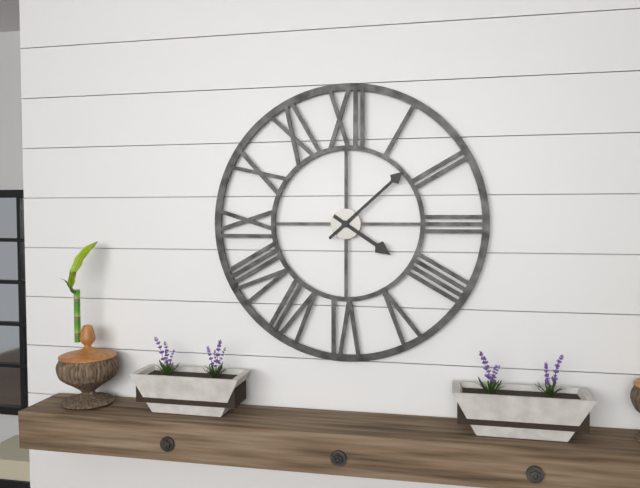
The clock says **4:08**
